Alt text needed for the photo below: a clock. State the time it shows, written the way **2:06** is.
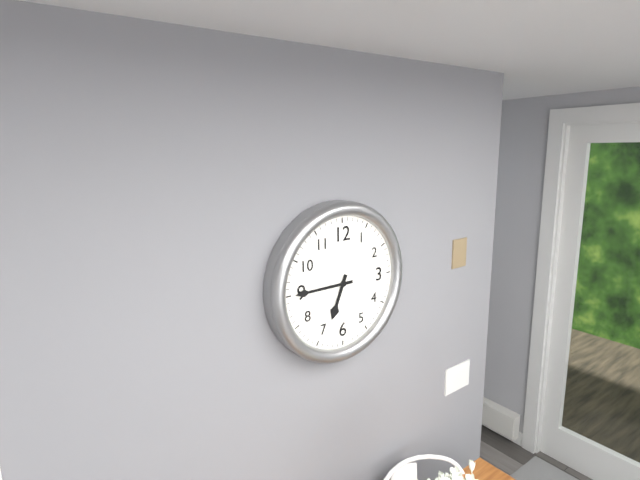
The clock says **6:45**
